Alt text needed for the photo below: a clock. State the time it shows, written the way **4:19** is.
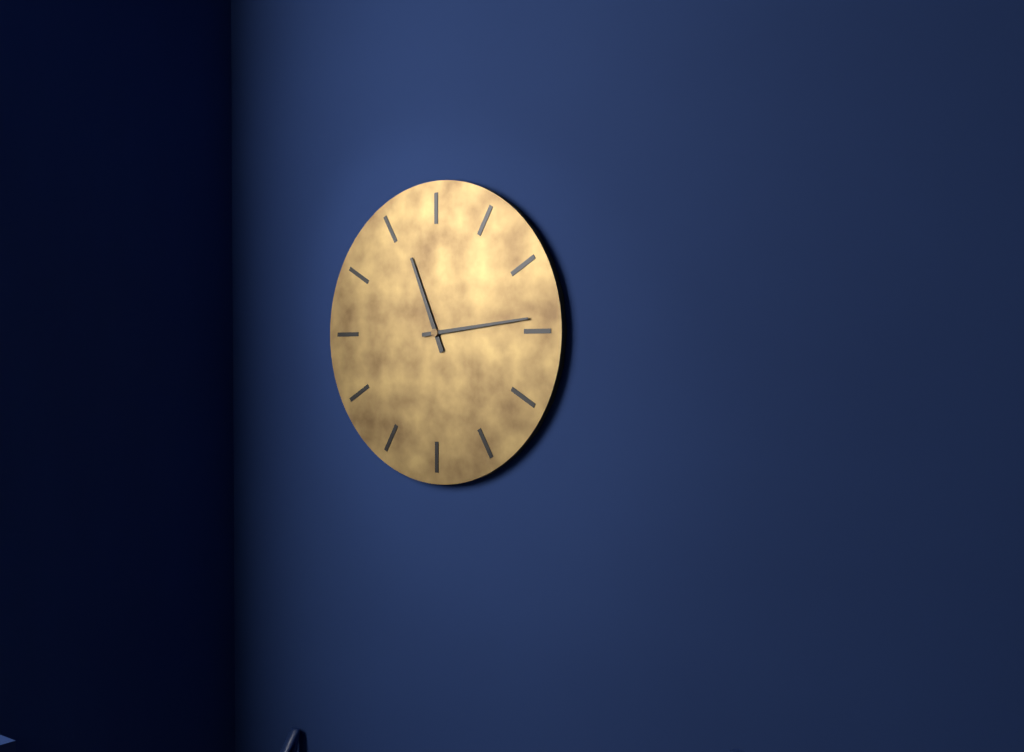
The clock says **11:14**
